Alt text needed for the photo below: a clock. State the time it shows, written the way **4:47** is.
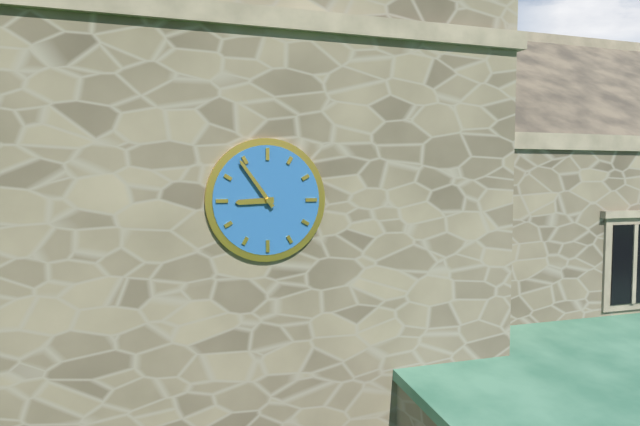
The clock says **8:54**
